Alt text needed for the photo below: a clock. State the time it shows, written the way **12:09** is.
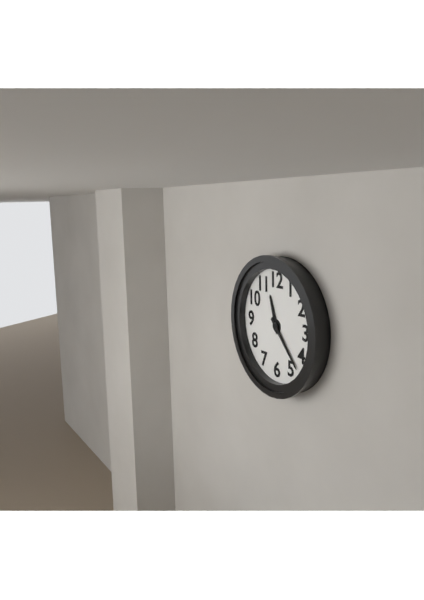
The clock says **11:23**
